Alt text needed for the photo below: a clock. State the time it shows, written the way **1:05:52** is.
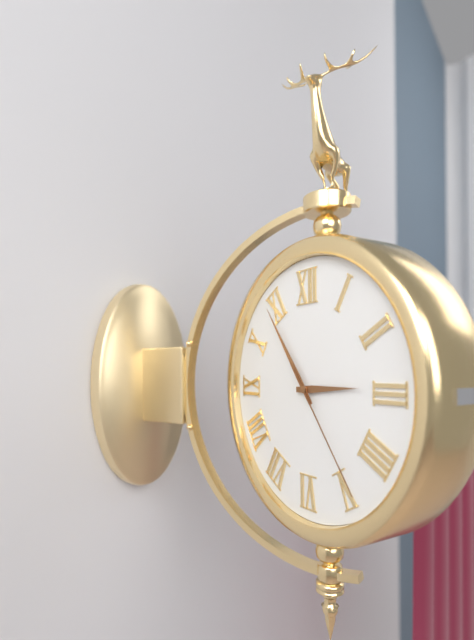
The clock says **2:54:24**
